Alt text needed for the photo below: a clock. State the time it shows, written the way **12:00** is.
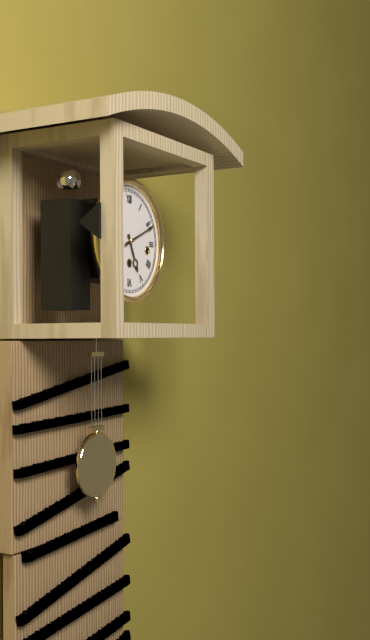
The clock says **5:11**
